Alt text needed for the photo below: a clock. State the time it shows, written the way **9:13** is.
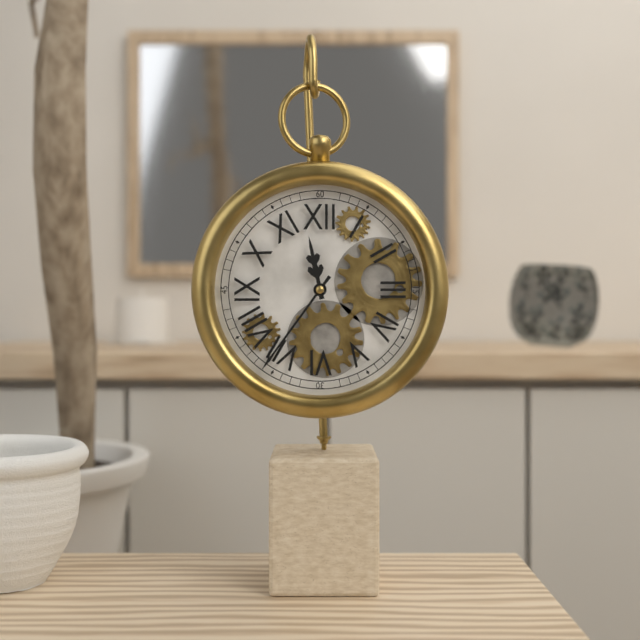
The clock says **11:36**
